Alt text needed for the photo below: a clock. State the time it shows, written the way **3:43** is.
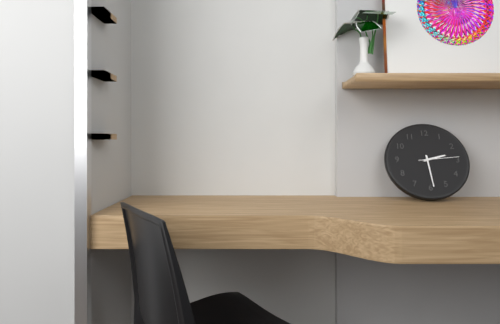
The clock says **2:29**
